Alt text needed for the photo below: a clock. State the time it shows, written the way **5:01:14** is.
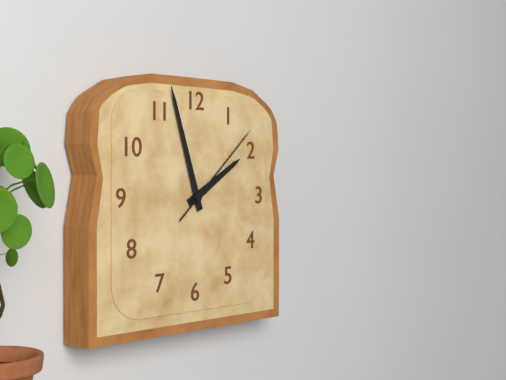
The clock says **1:57:08**
